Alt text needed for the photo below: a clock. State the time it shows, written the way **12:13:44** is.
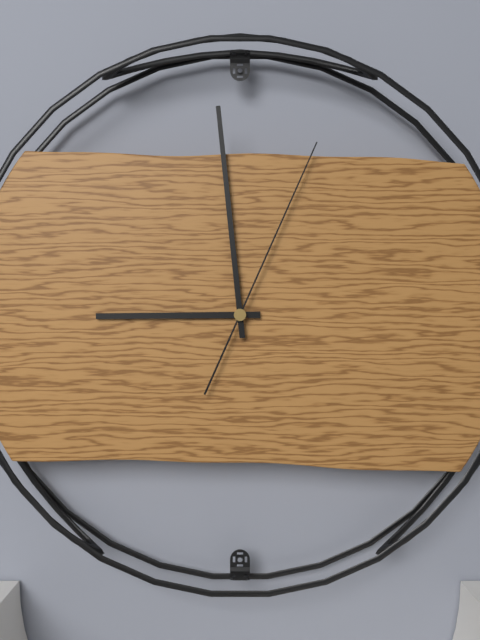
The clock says **8:59:04**
